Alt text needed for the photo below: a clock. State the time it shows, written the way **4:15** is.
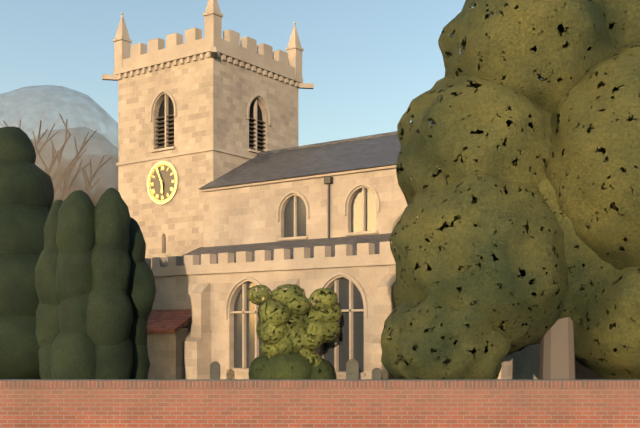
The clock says **5:56**
